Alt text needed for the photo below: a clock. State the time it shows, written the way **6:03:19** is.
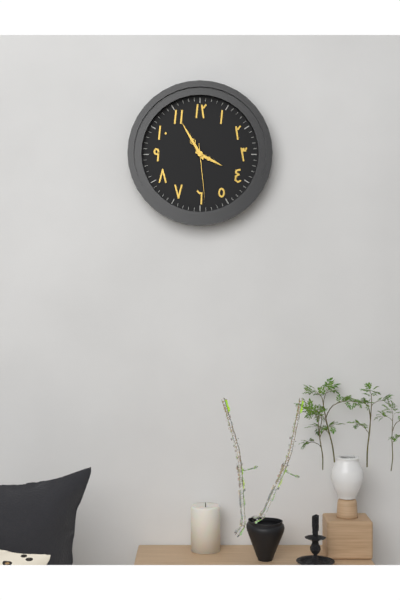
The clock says **3:55:29**
